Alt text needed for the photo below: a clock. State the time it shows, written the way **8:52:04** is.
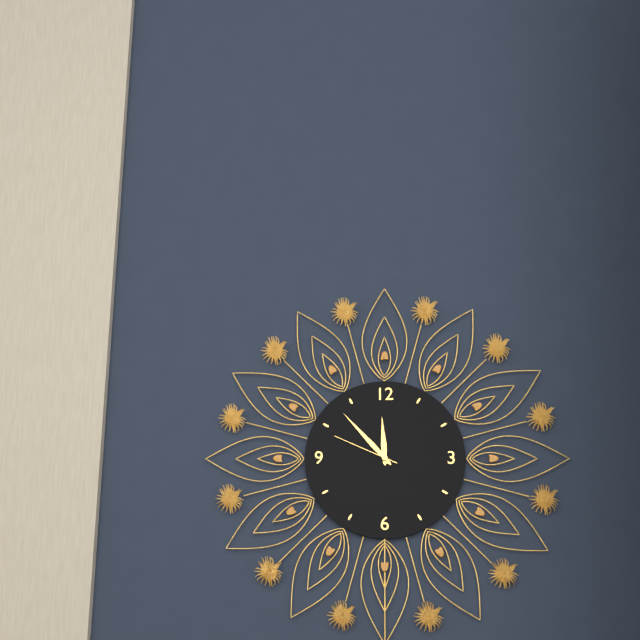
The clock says **11:53:49**
